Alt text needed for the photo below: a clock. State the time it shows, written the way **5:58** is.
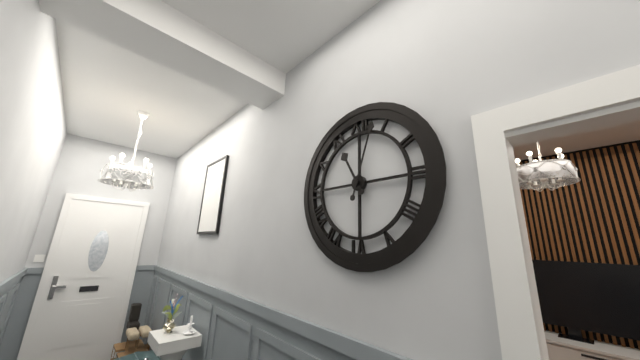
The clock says **11:03**
